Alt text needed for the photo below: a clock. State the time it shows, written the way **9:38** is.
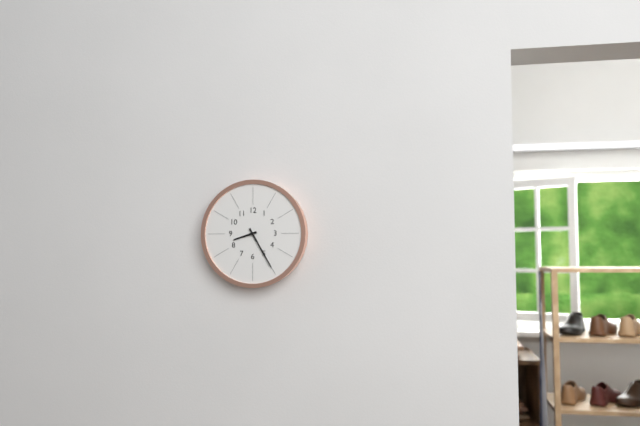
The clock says **8:25**
